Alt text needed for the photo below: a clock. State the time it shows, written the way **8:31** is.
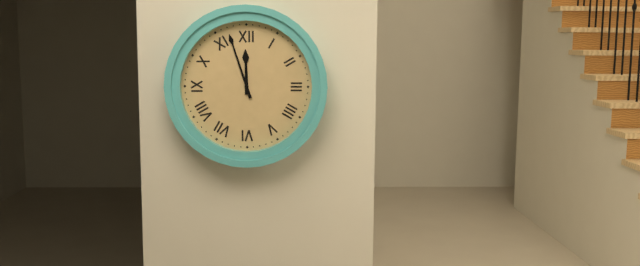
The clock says **11:57**
